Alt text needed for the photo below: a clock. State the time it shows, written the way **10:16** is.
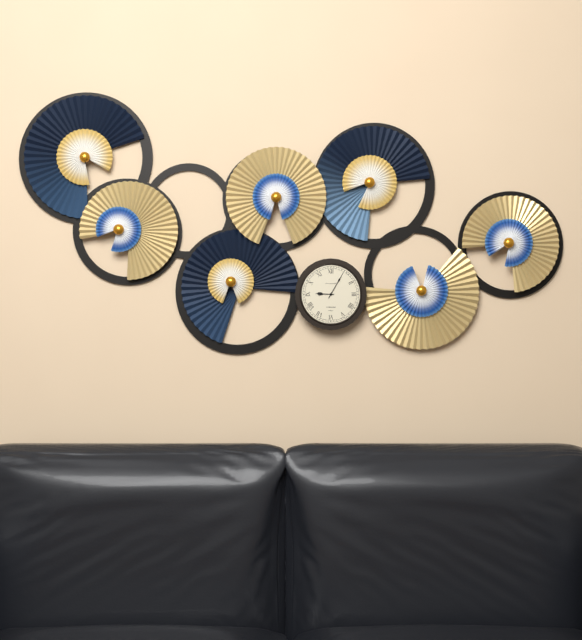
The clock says **9:05**
